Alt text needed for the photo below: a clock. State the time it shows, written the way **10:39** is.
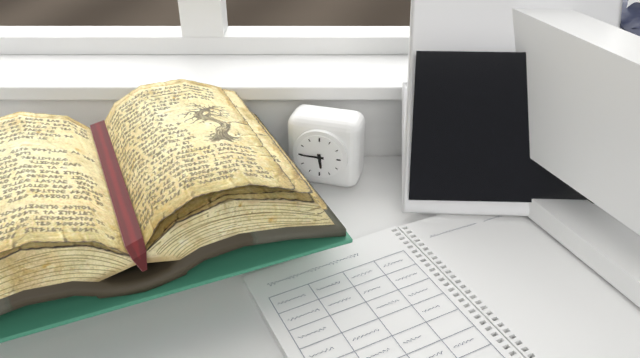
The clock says **5:45**
